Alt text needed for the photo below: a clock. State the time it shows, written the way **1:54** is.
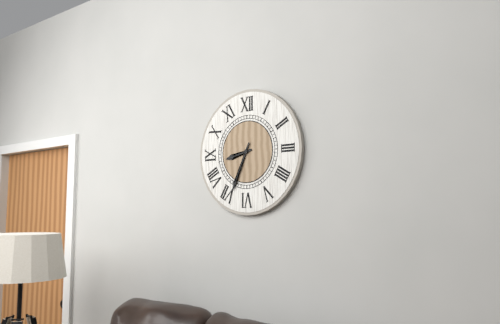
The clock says **8:34**
